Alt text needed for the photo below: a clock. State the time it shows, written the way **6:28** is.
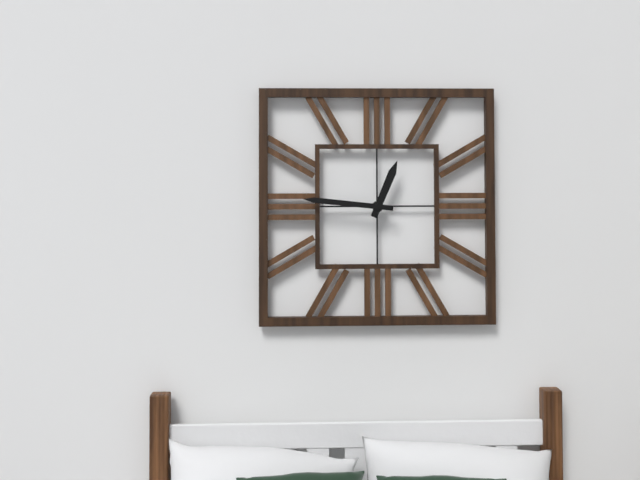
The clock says **12:46**
